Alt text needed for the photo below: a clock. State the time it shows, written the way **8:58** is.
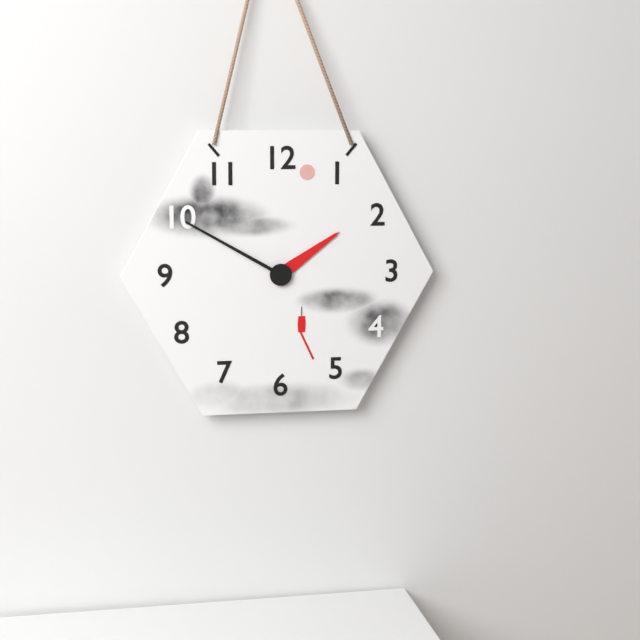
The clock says **1:50**
